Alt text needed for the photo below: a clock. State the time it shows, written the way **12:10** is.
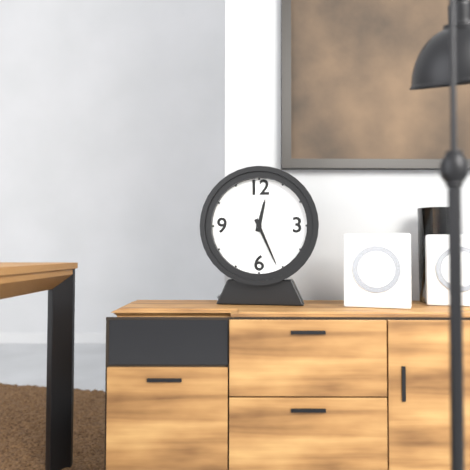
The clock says **12:26**
